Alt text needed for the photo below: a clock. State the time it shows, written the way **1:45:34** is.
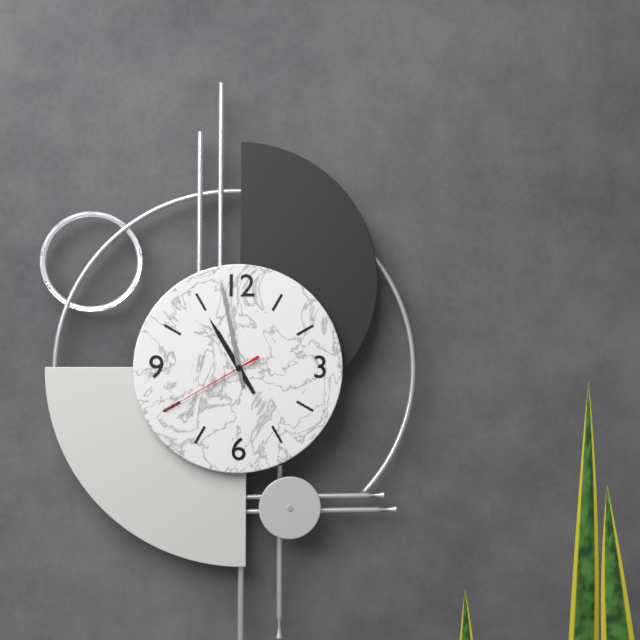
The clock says **10:58:40**
